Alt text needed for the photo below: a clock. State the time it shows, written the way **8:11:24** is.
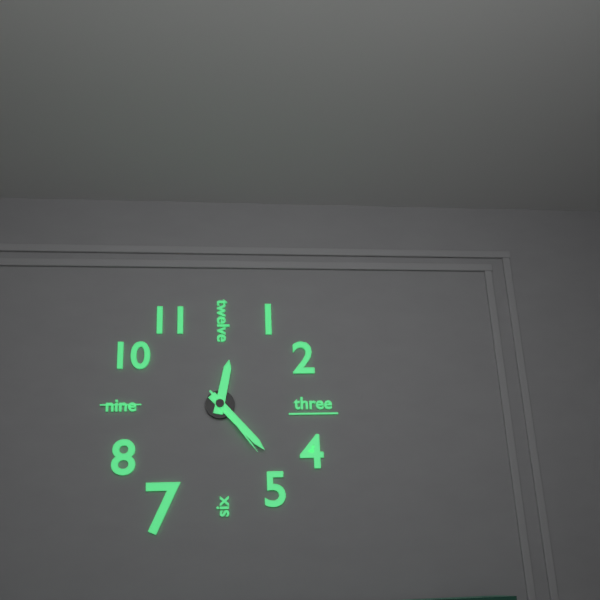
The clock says **12:23:24**
